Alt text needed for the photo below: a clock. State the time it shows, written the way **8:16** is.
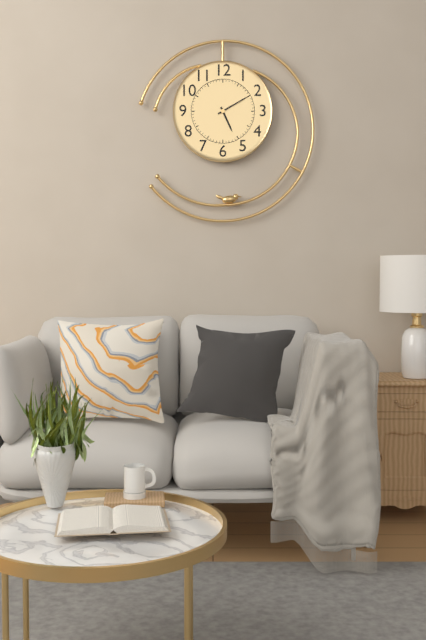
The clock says **5:10**
